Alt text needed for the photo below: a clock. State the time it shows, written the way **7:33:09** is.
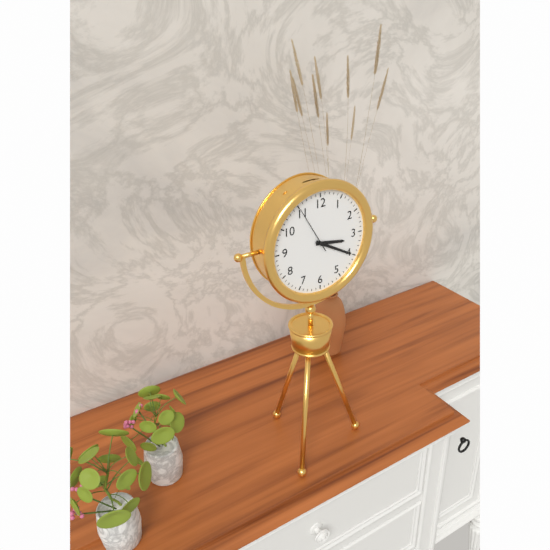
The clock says **3:20:55**
